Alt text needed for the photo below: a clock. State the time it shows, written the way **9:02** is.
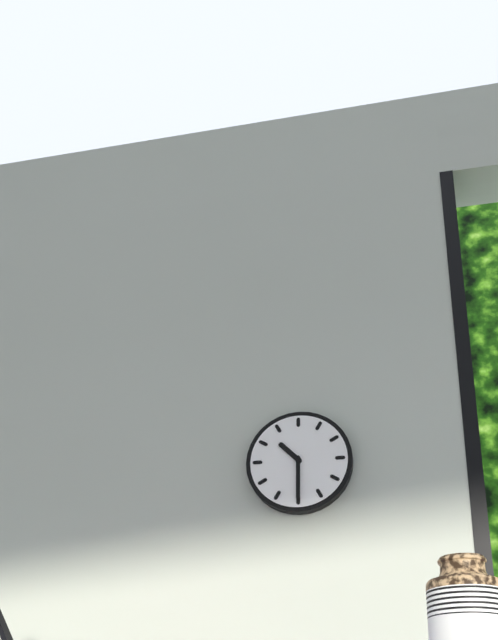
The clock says **10:30**
